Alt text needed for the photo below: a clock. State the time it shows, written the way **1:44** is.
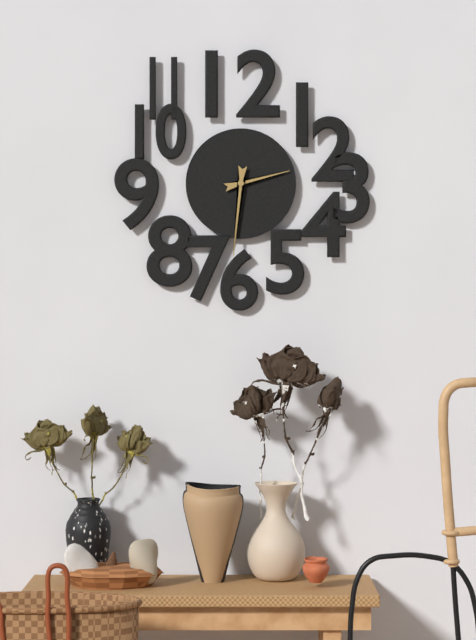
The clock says **2:31**
